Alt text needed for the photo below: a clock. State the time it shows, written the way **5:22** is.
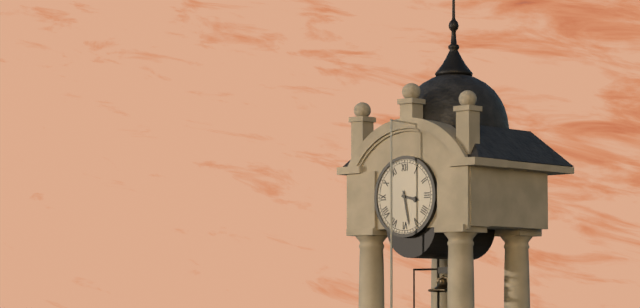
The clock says **3:28**
